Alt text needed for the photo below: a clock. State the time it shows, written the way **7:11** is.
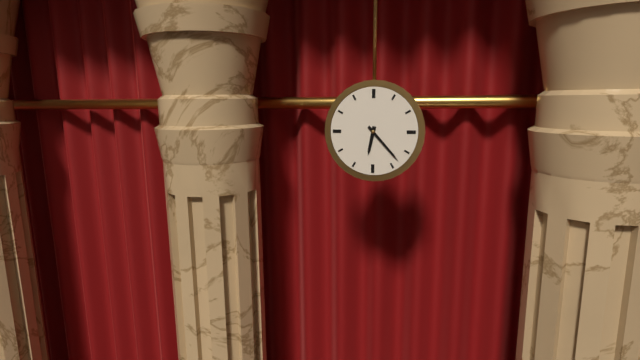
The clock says **6:23**
